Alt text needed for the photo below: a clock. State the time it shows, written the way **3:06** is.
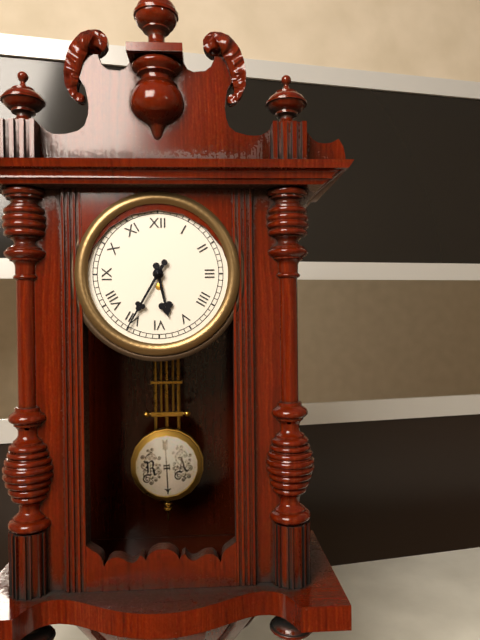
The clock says **5:35**
